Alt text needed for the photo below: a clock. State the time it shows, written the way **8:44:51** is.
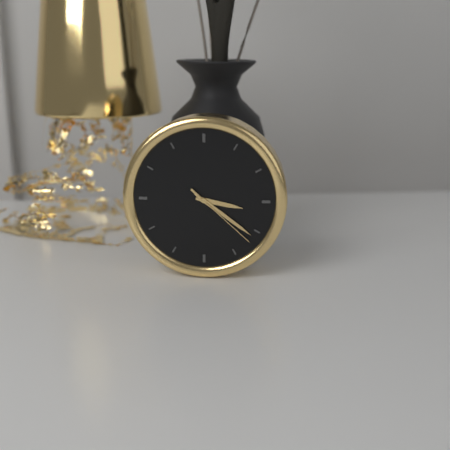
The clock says **3:21:22**
